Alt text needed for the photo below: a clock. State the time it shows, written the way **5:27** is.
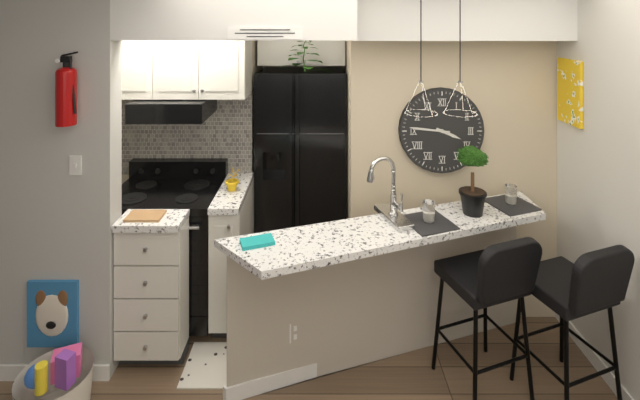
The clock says **3:46**
